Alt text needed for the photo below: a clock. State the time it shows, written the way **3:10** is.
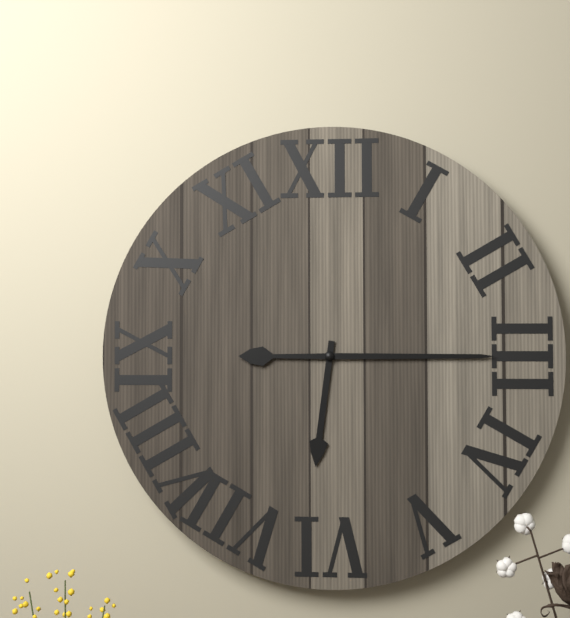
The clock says **6:15**
